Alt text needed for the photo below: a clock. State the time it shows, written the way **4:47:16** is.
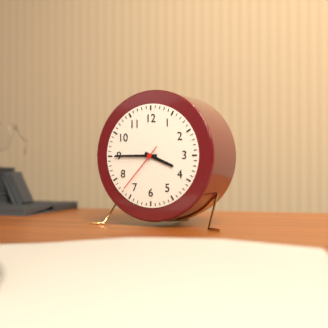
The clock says **3:45:37**
